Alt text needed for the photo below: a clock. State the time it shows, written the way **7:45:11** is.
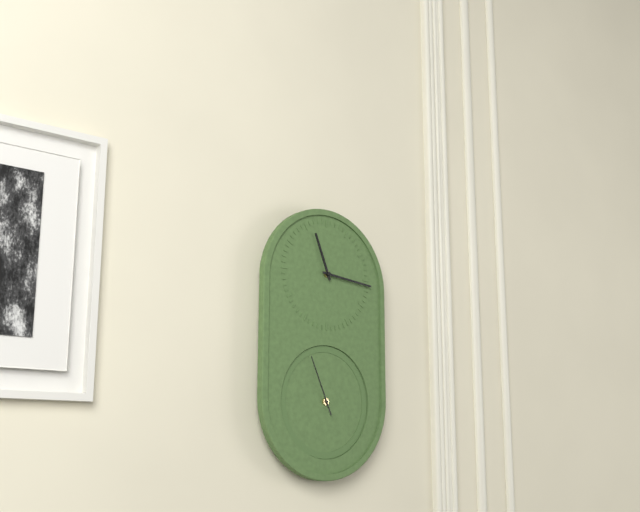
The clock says **11:16:56**
